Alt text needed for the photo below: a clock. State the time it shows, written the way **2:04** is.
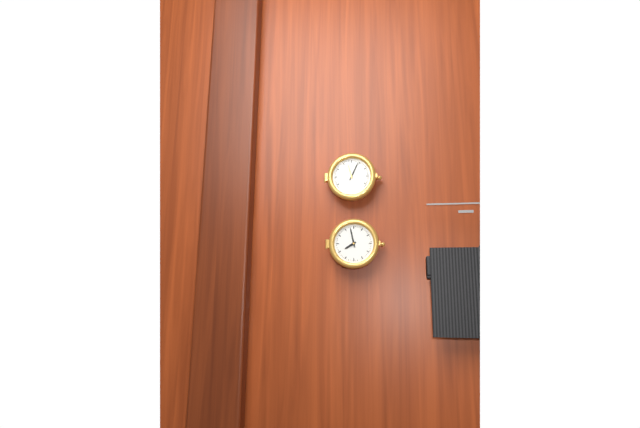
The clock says **7:58**
